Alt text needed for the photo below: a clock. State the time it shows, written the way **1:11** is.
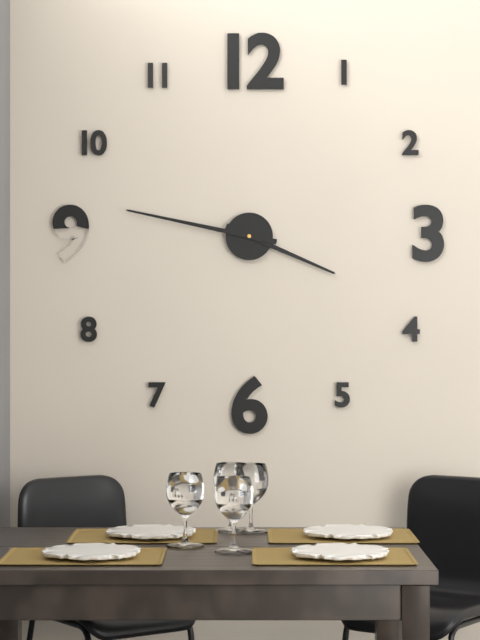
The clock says **3:47**
